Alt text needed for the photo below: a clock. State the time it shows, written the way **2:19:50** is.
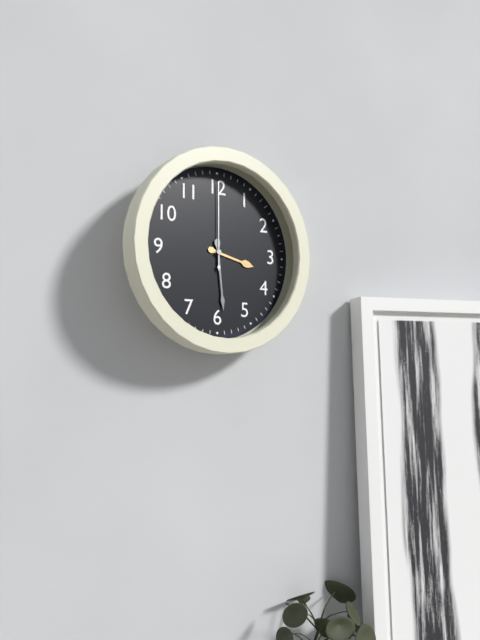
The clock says **3:29:00**
